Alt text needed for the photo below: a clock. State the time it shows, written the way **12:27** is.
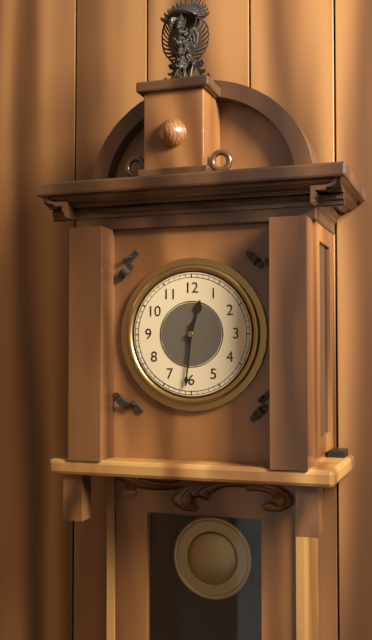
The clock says **12:31**
